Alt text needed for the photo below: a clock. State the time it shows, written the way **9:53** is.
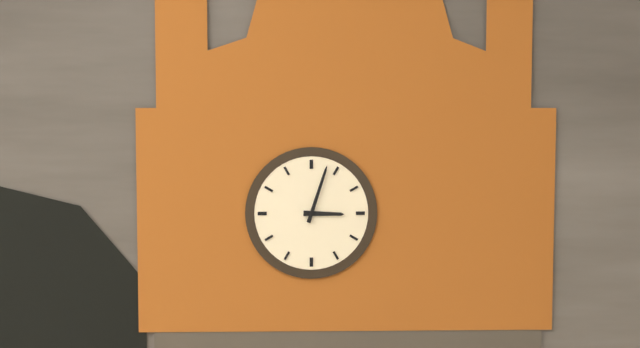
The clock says **3:03**
